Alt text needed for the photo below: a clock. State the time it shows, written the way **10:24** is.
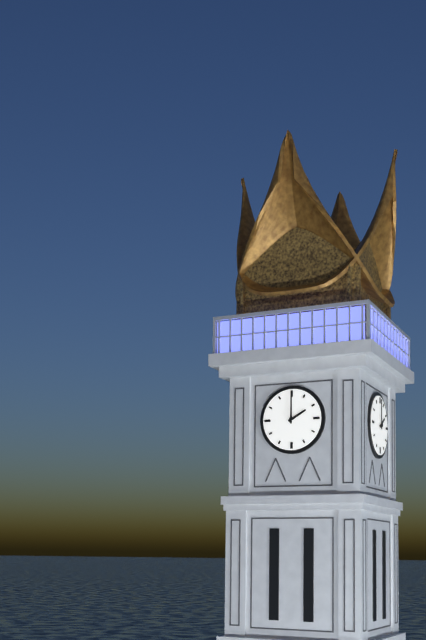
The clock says **2:00**
